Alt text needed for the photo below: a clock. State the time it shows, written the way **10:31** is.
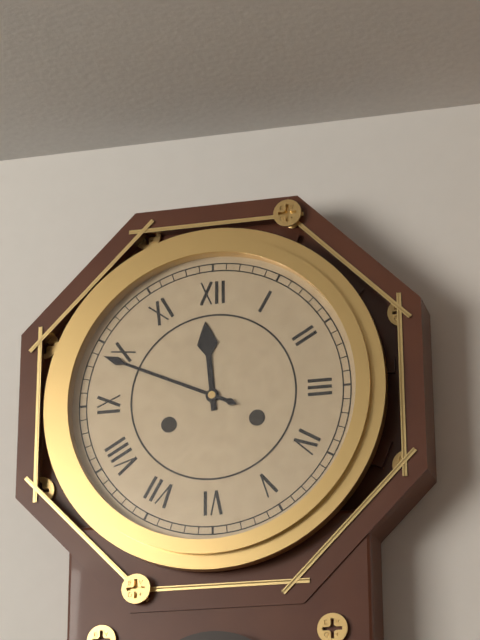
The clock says **11:49**
